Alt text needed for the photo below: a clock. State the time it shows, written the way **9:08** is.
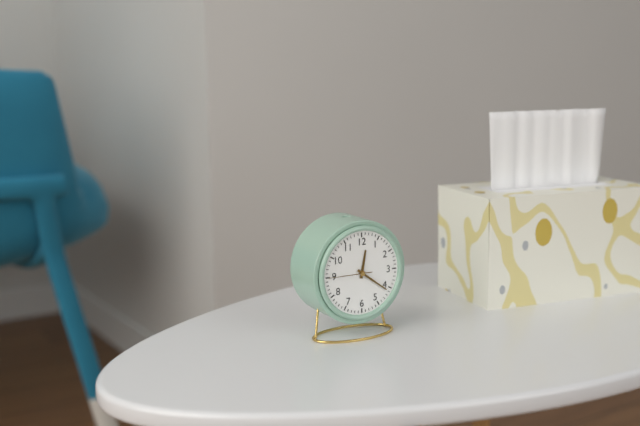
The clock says **12:21**
